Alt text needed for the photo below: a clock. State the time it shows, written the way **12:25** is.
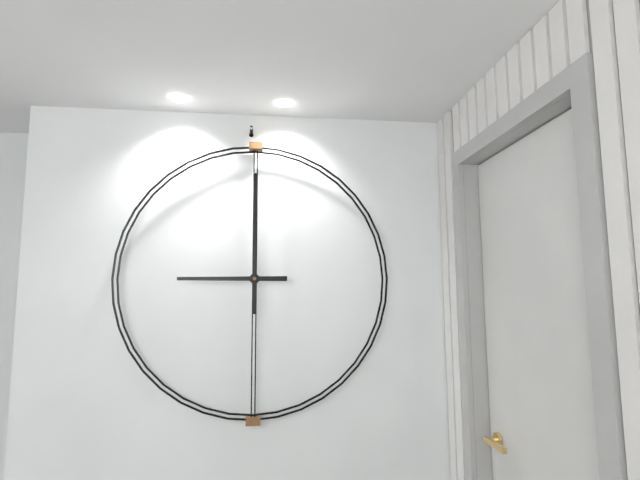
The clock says **9:00**
